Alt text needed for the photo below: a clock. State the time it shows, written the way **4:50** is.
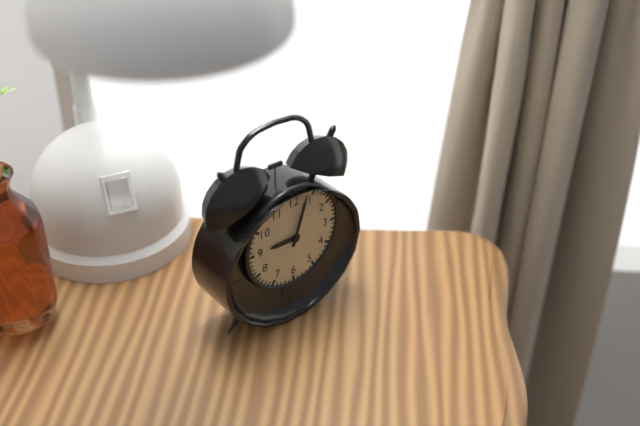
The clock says **9:03**
